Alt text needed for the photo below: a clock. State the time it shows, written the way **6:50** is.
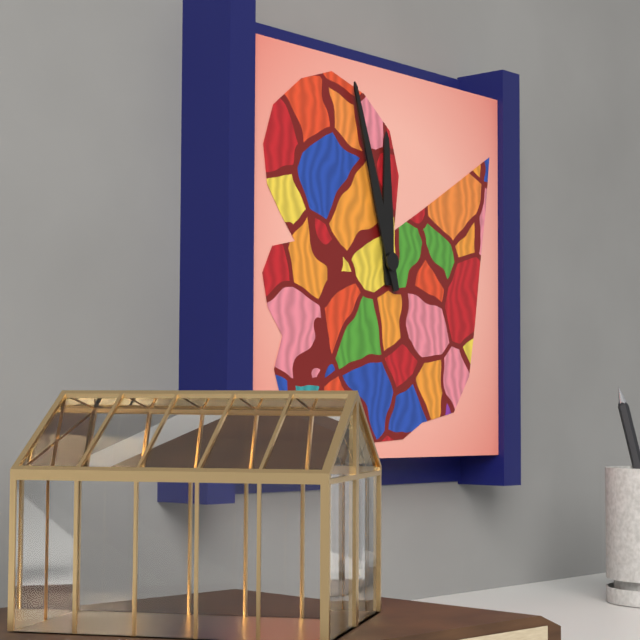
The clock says **11:57**
